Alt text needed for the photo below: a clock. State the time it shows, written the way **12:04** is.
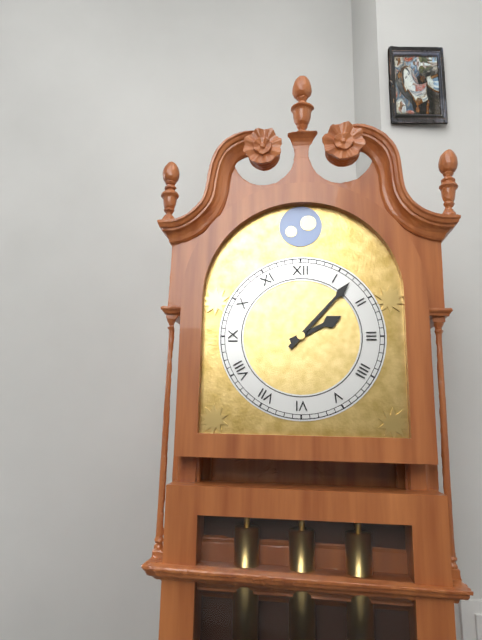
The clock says **2:07**
